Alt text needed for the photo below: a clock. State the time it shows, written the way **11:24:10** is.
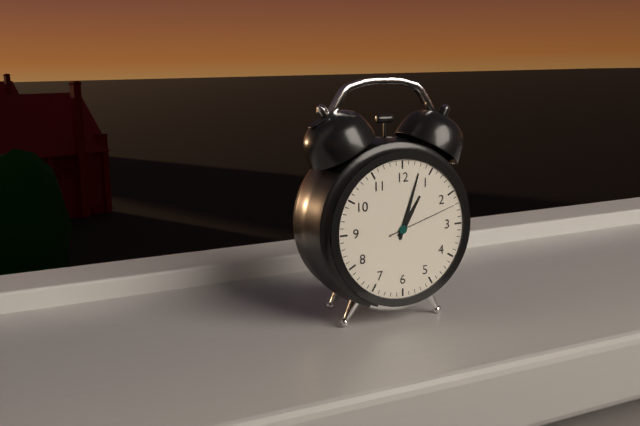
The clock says **1:03:12**
